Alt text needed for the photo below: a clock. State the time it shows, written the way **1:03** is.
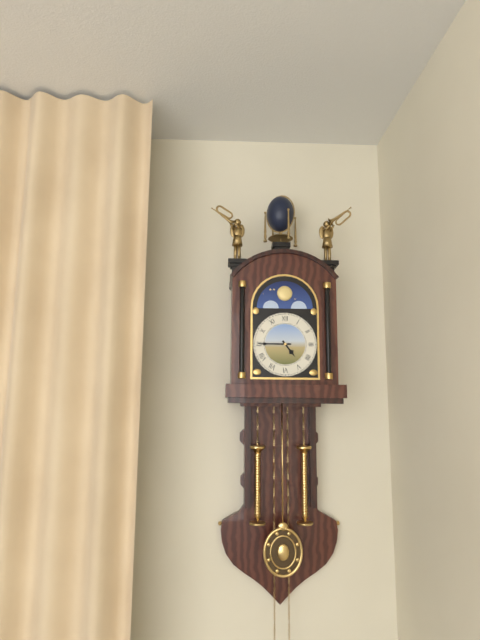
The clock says **4:45**
